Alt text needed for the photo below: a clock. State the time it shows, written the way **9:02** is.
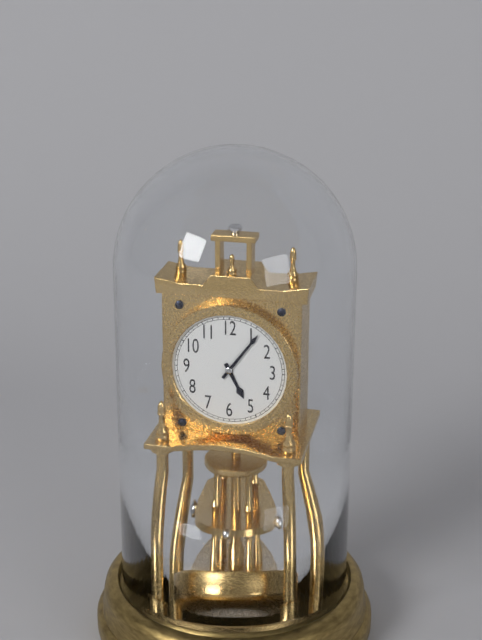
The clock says **5:06**
